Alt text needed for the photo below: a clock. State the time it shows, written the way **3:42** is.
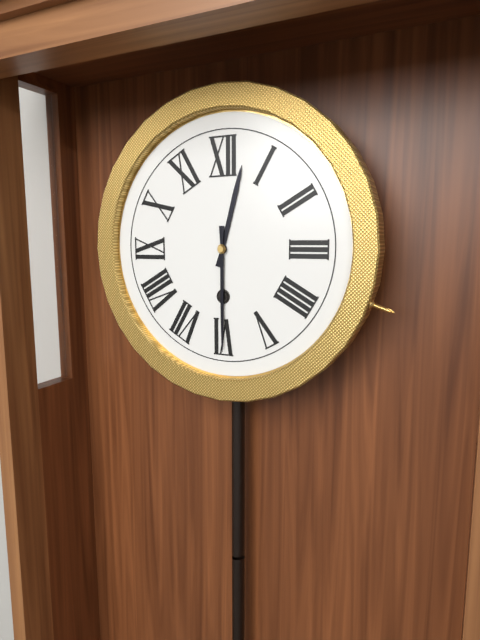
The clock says **12:30**
